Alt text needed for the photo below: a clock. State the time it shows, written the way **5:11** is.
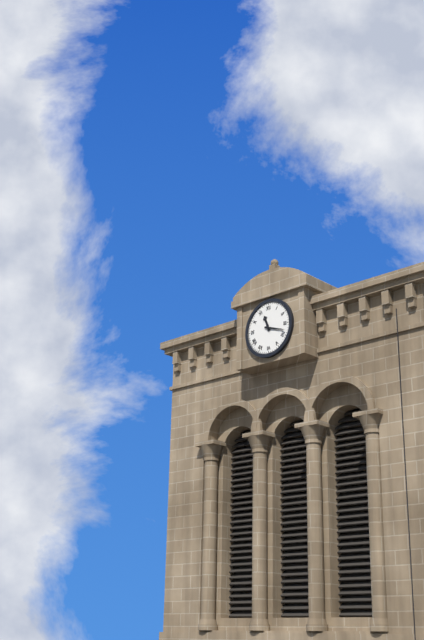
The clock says **11:18**
